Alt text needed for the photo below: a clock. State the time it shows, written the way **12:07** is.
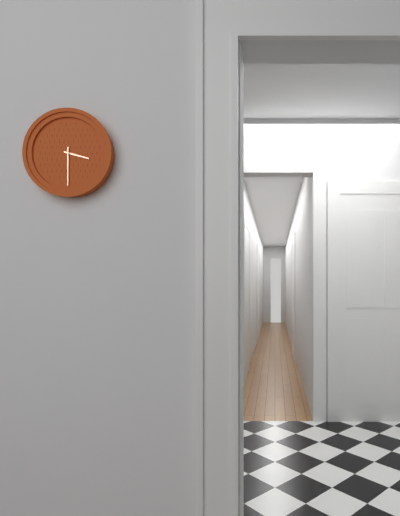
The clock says **3:30**
